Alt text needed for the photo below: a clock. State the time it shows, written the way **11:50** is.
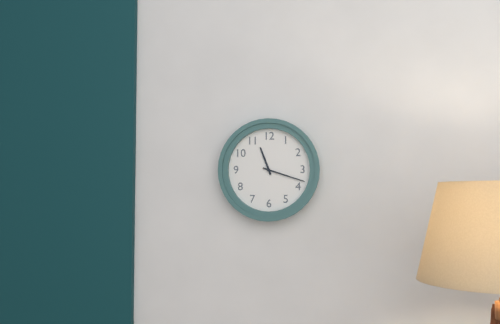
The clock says **11:18**
